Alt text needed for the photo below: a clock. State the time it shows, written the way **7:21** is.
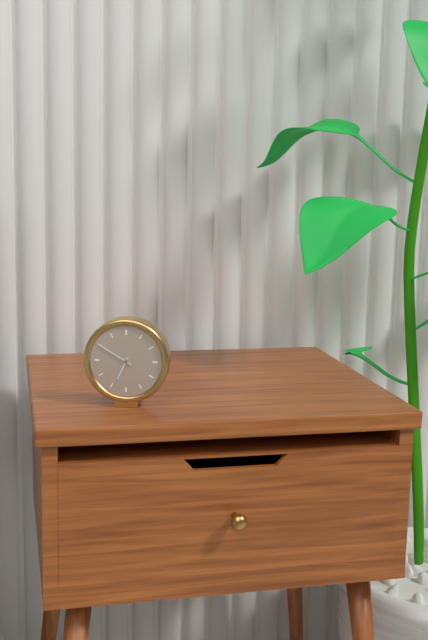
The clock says **6:50**
